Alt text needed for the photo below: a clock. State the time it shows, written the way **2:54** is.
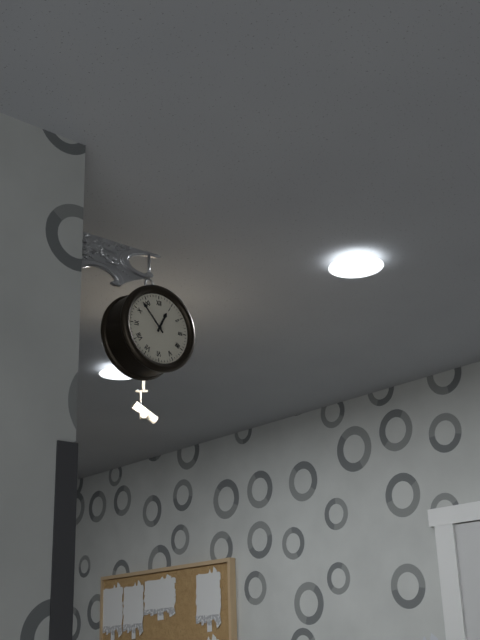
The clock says **12:53**
